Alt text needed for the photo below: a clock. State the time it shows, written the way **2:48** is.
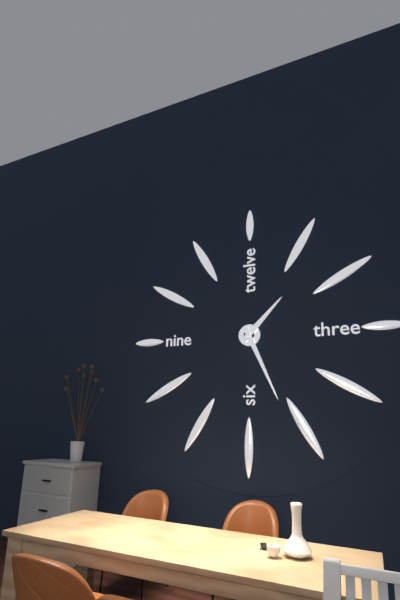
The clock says **1:26**
